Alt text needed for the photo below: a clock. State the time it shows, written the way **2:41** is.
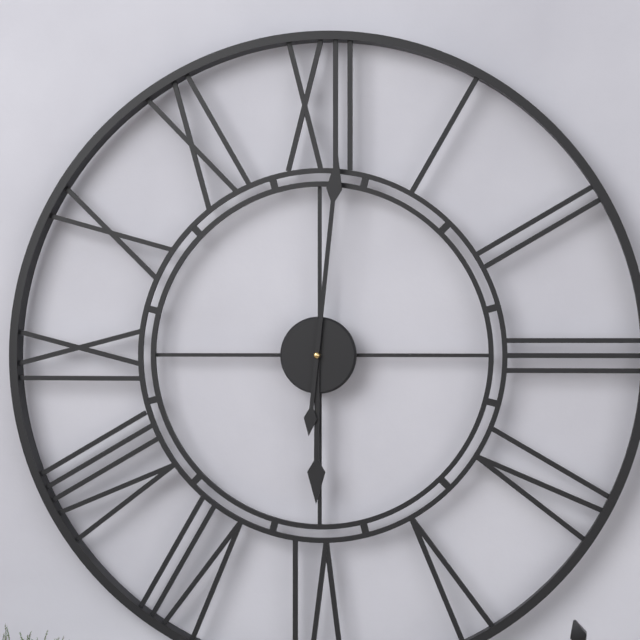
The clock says **6:01**
